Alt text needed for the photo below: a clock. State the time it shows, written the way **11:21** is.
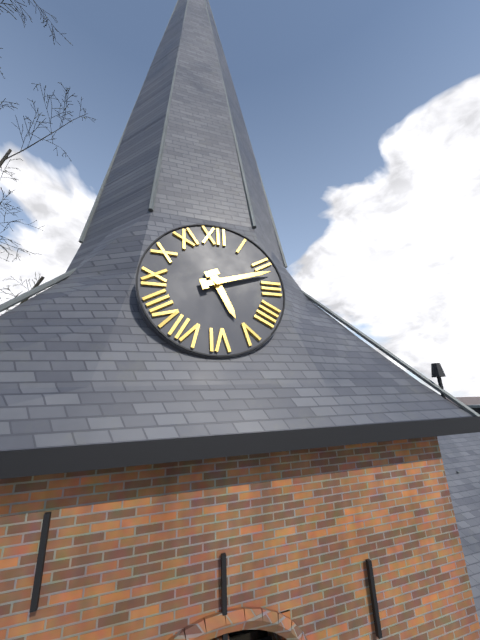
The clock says **5:12**
